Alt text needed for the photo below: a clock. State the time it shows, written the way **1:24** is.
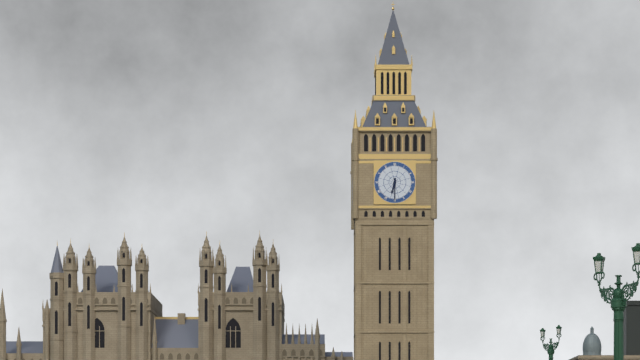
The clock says **6:30**
